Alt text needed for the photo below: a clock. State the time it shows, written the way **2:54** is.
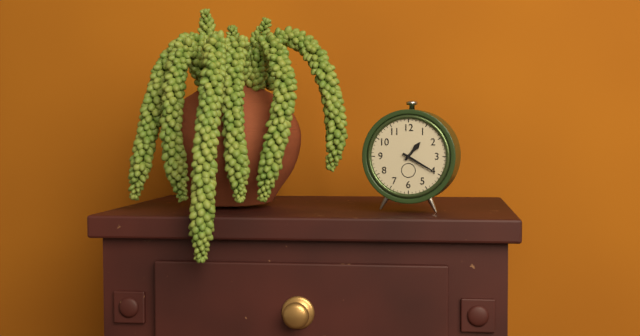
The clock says **1:20**
